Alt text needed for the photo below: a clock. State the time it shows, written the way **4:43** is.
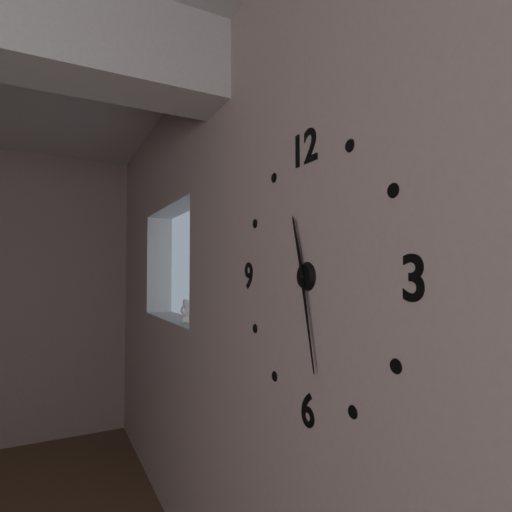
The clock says **11:28**
